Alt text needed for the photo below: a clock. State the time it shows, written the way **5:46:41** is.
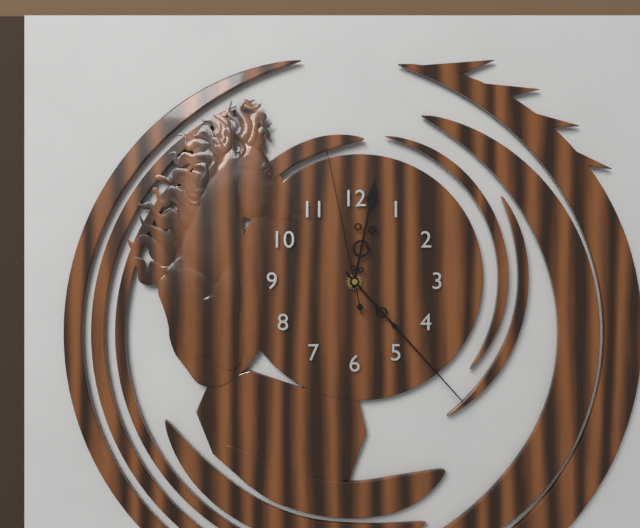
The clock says **12:23:58**
